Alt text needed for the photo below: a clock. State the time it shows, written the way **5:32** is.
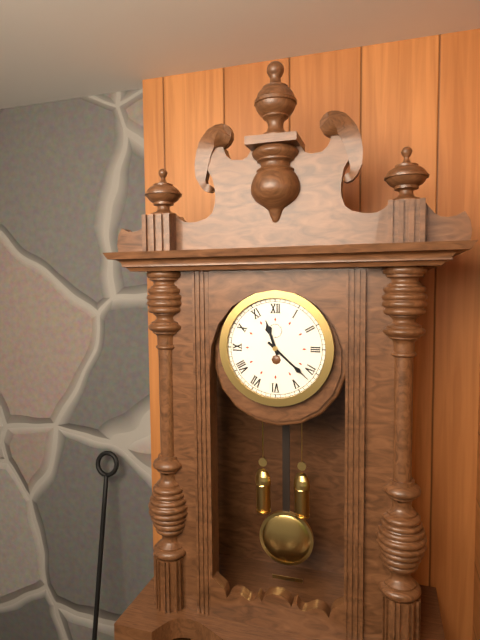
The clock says **11:22**
